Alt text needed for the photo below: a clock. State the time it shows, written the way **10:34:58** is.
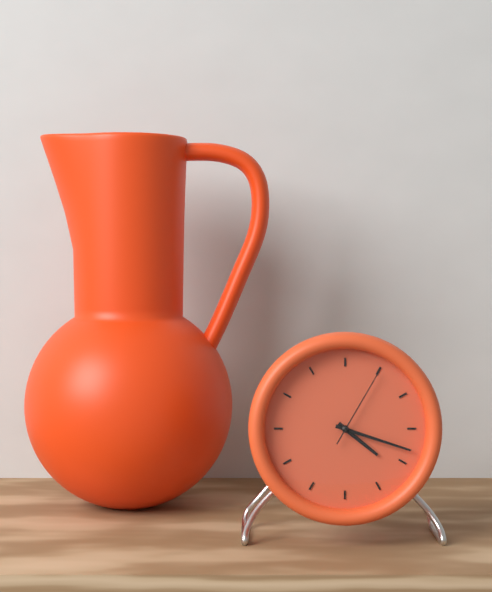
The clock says **4:18:05**
